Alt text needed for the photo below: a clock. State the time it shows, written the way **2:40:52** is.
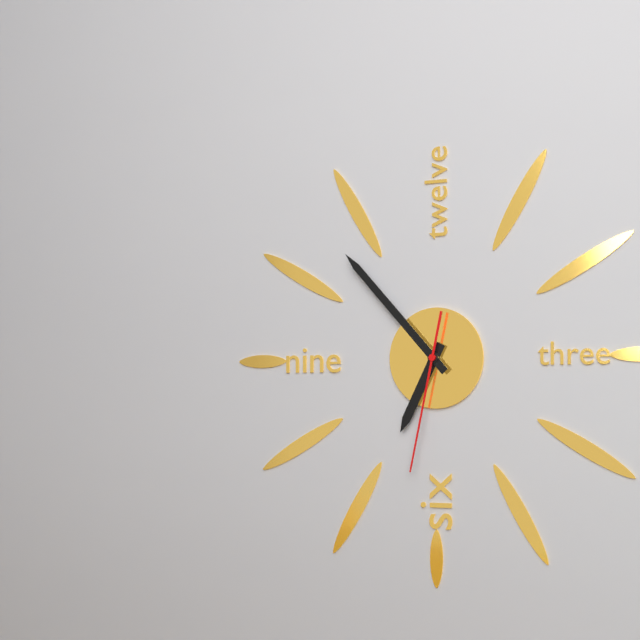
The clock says **6:53:32**
